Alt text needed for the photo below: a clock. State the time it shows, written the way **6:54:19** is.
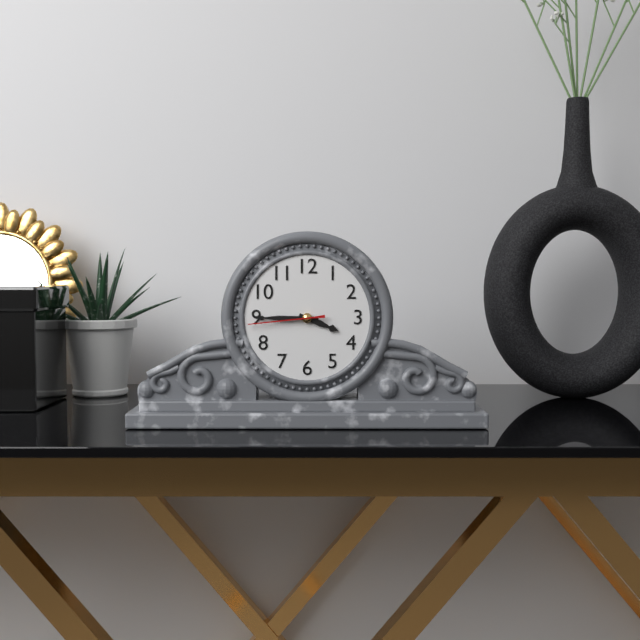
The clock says **3:45:44**
